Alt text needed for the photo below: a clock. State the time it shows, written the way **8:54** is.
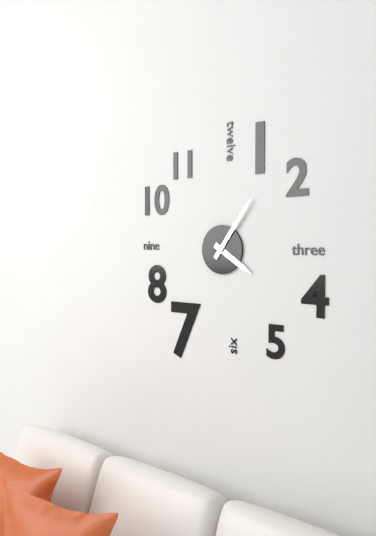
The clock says **4:06**
